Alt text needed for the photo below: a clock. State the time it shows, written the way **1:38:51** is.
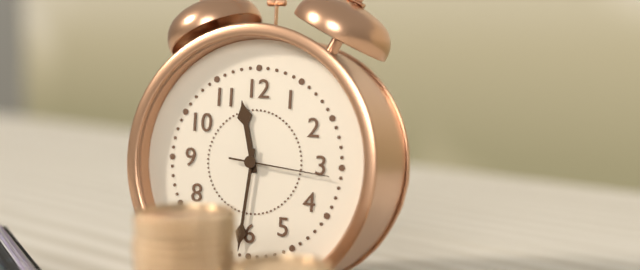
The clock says **11:31:16**
